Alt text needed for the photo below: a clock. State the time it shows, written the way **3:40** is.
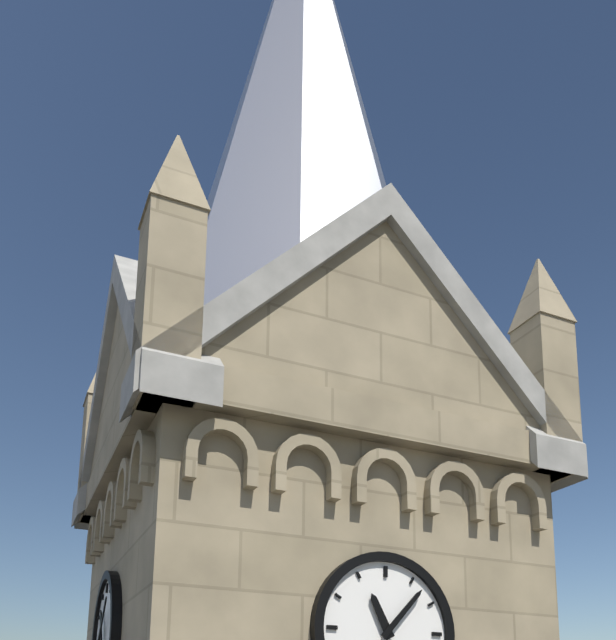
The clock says **11:07**
